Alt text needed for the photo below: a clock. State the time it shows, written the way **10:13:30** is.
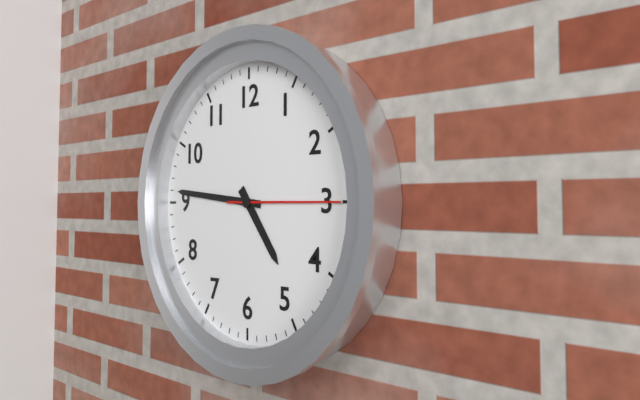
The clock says **4:46:15**
